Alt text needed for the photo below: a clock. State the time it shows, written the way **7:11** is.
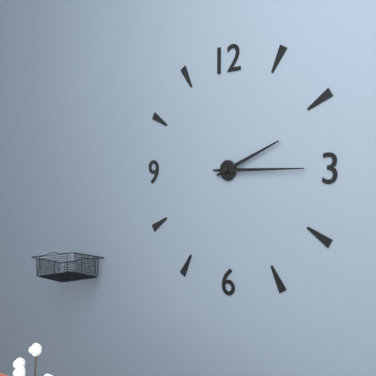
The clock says **2:15**
